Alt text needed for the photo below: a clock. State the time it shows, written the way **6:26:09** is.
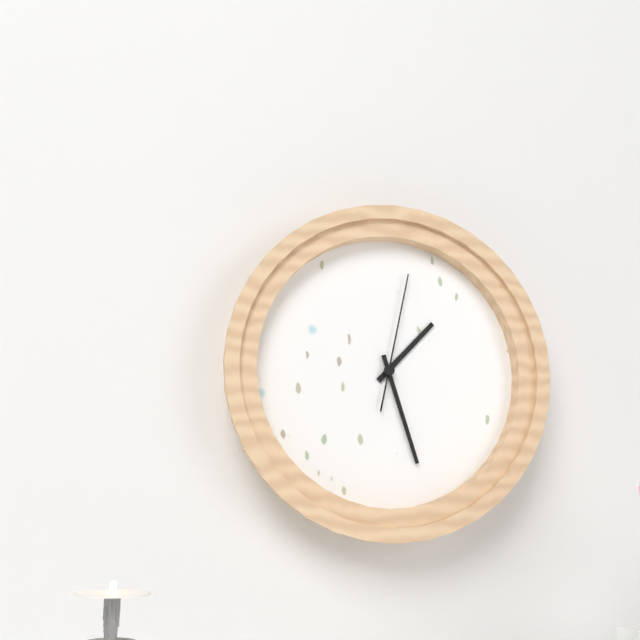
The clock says **1:27:02**
